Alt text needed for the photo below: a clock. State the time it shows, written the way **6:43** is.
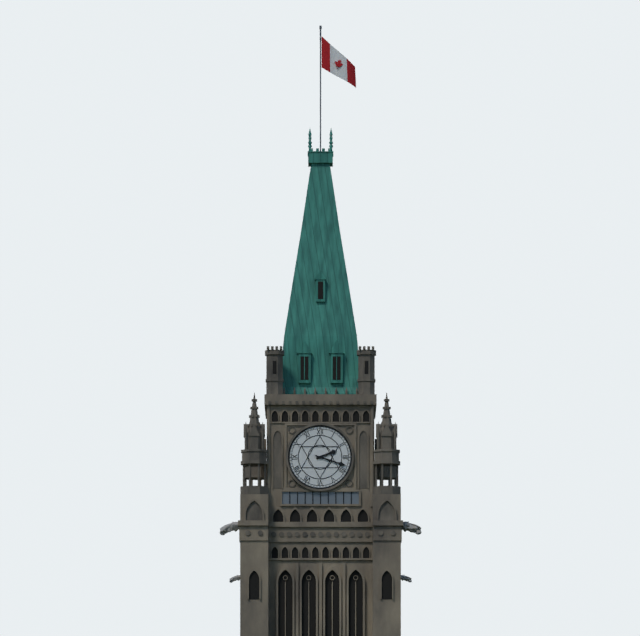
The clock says **2:18**
